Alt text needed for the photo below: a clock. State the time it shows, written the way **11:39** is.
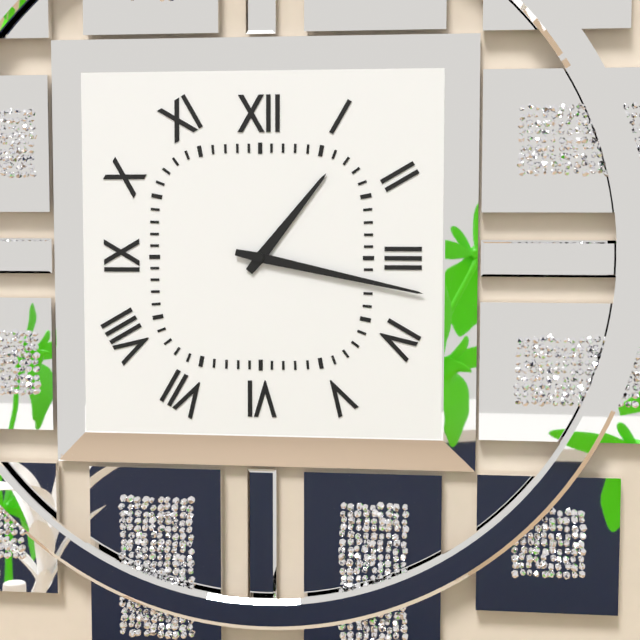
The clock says **1:17**
